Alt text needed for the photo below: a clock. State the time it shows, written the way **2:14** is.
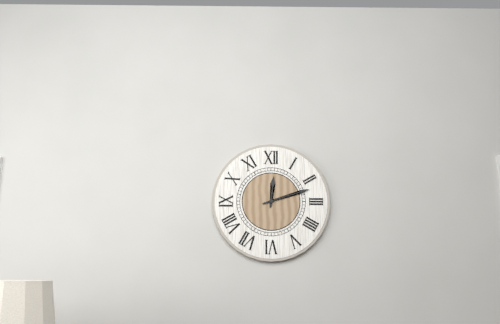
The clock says **12:12**
